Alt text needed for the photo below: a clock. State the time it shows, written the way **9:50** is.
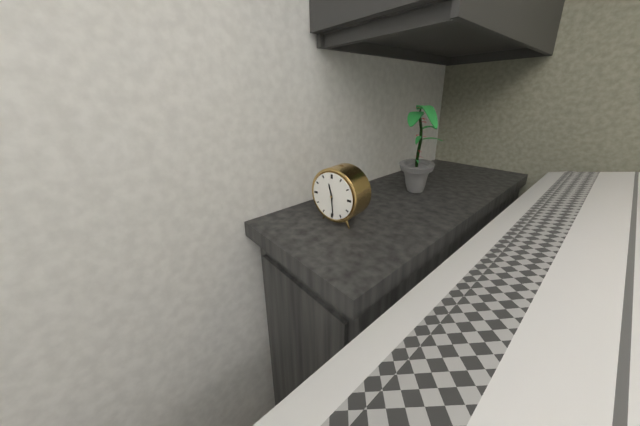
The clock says **11:29**
